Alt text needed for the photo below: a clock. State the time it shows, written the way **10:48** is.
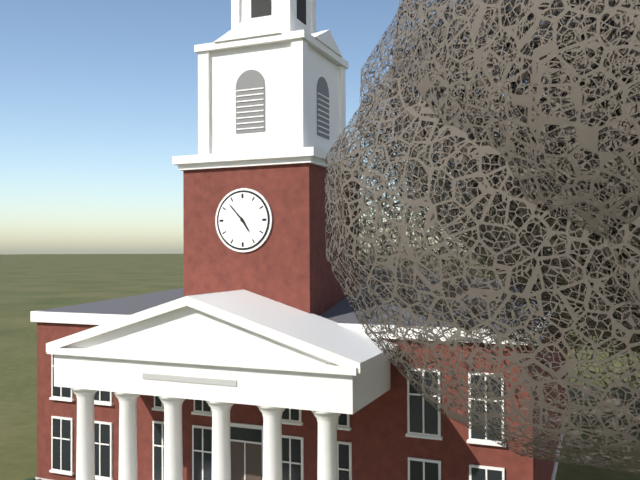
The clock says **4:53**
